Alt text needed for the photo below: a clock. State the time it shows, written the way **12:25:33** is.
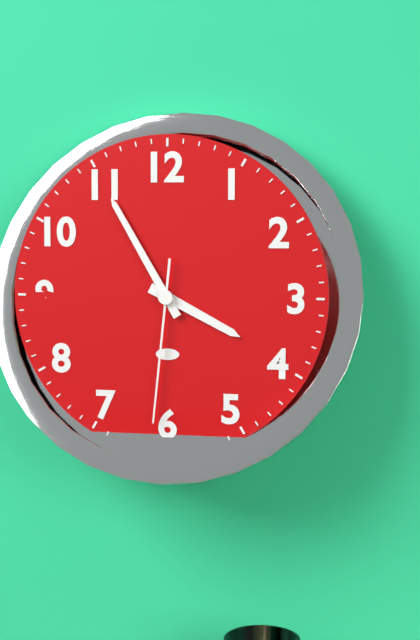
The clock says **3:55:31**
